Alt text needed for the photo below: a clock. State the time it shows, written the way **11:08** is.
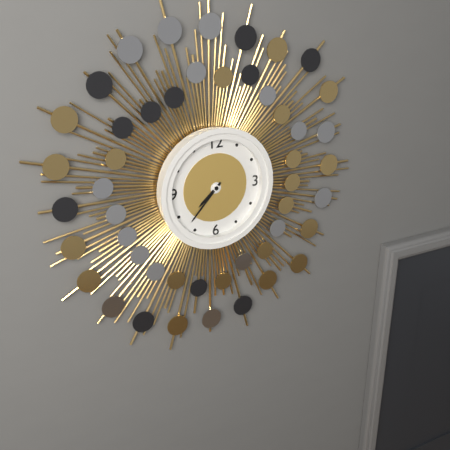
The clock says **7:37**
